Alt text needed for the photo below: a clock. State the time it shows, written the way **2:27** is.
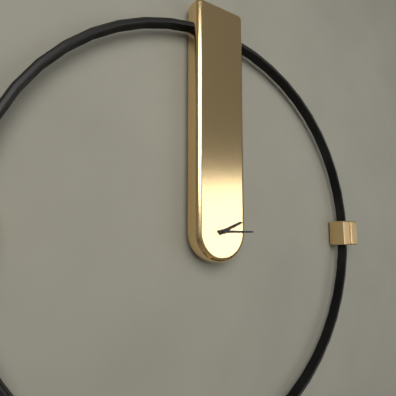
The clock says **2:15**
